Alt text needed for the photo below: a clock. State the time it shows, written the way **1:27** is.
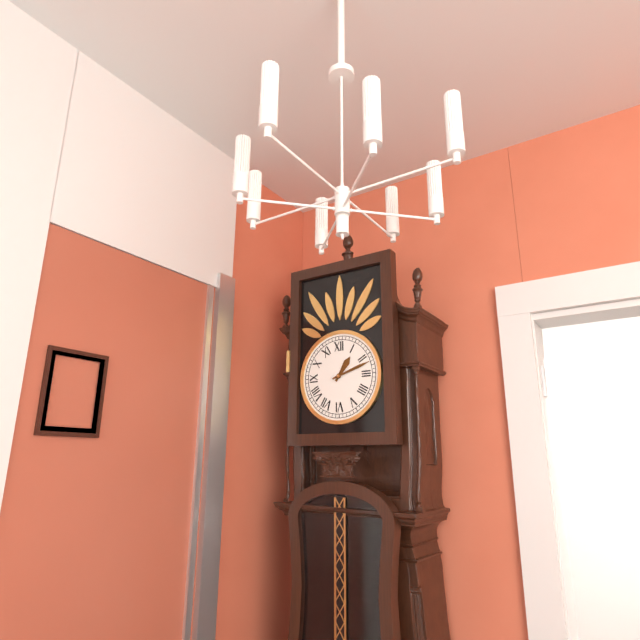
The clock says **1:12**
